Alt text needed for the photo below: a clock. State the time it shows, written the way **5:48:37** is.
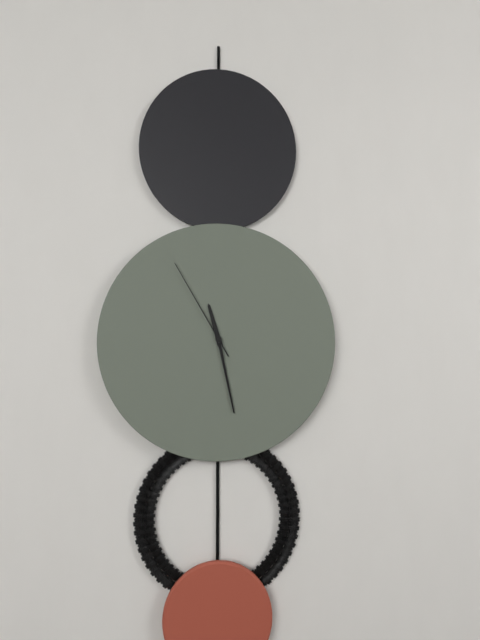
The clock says **11:28:55**
